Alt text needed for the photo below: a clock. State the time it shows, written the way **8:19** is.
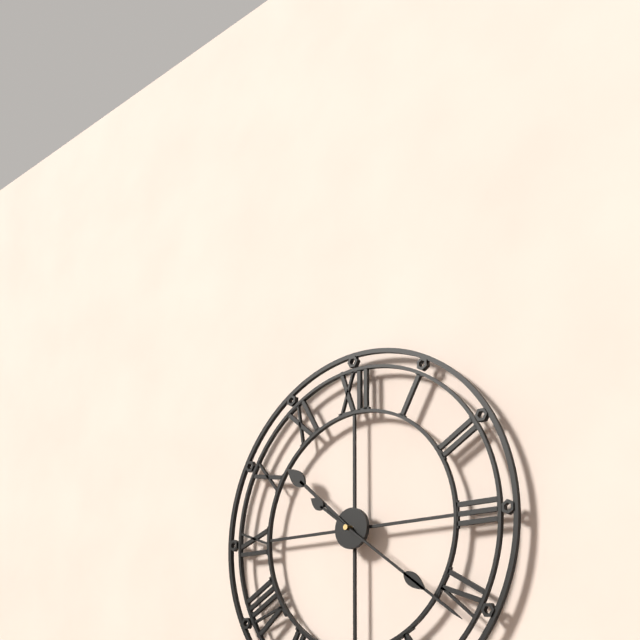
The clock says **10:21**
